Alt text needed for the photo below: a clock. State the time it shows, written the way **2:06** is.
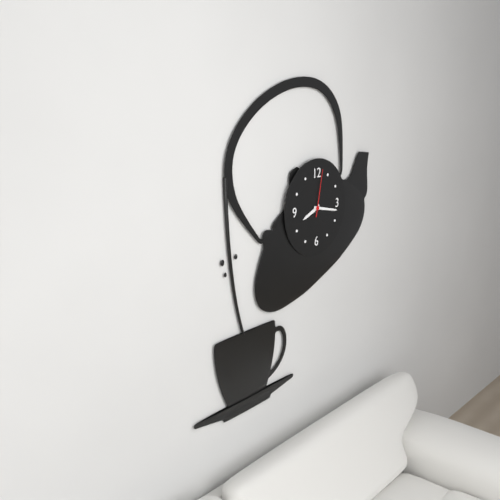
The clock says **8:17**
